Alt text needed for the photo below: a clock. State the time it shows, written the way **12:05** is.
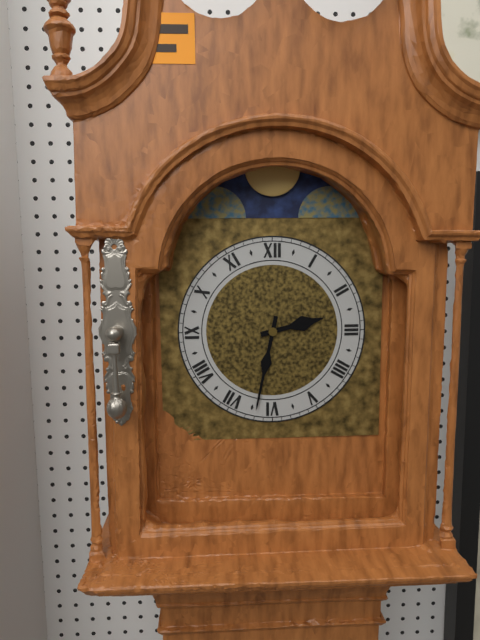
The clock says **2:32**
